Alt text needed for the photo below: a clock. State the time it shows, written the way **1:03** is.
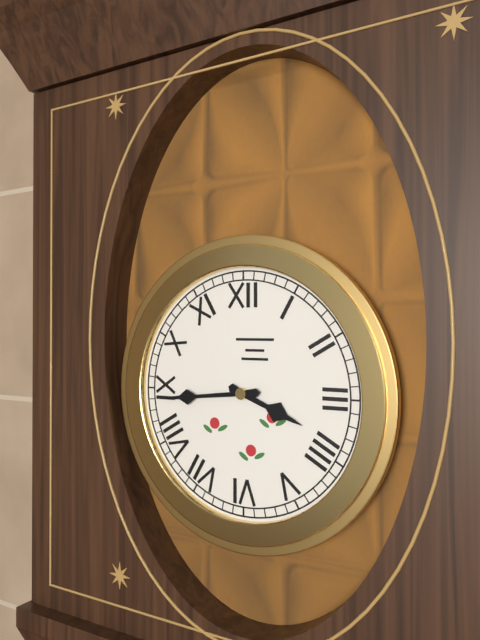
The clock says **3:44**
